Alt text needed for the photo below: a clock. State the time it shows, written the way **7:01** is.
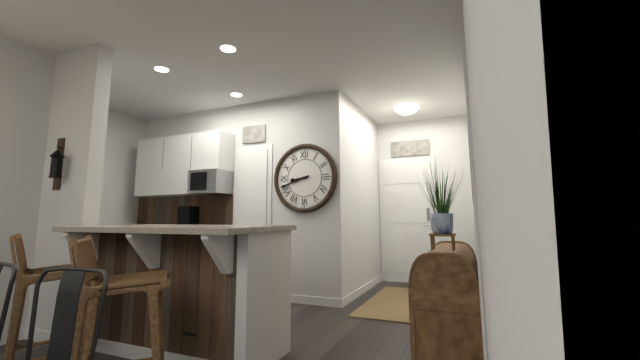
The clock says **8:42**
